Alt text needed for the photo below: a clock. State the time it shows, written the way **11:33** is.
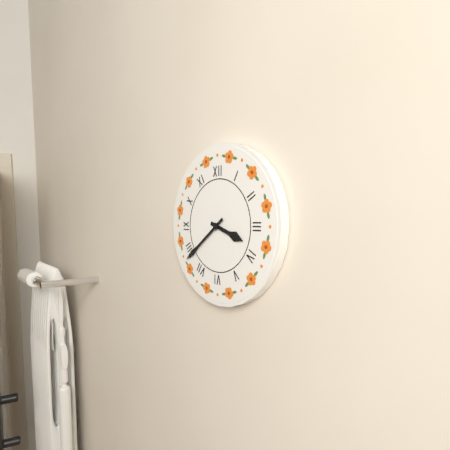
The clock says **3:39**
